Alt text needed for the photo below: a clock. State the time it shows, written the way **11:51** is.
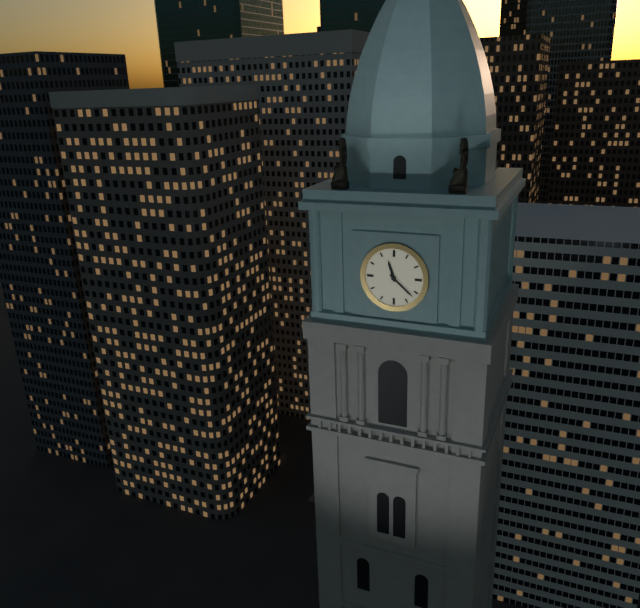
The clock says **11:22**
